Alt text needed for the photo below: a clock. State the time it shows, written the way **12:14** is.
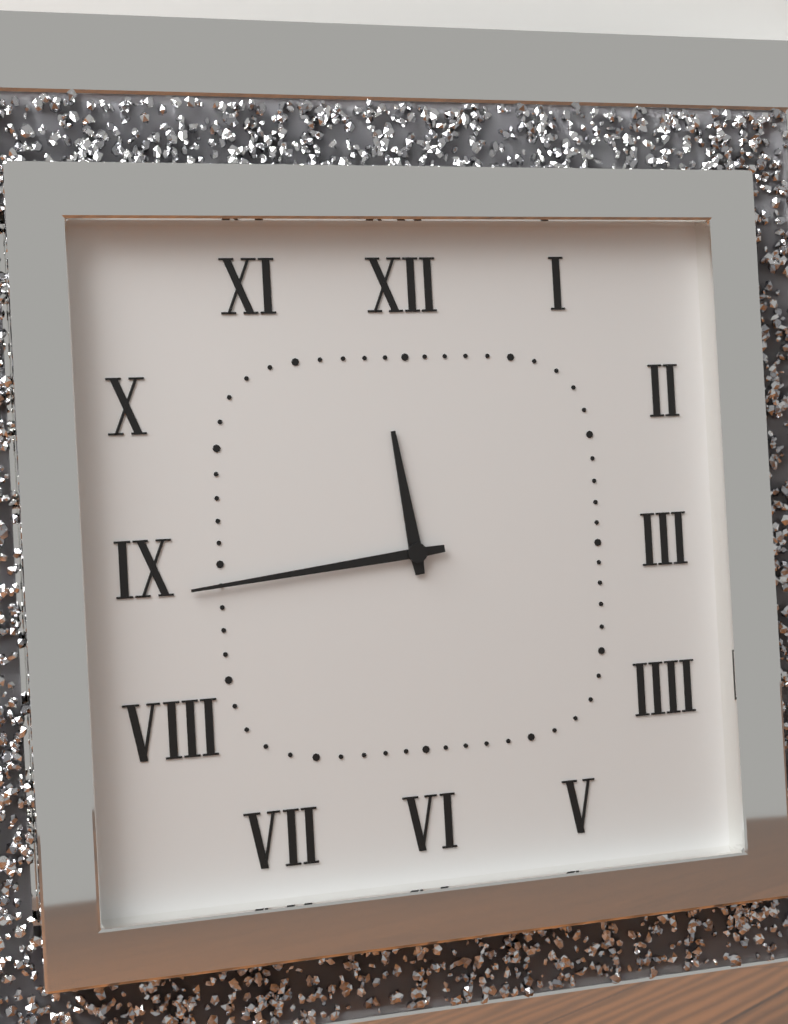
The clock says **11:44**
